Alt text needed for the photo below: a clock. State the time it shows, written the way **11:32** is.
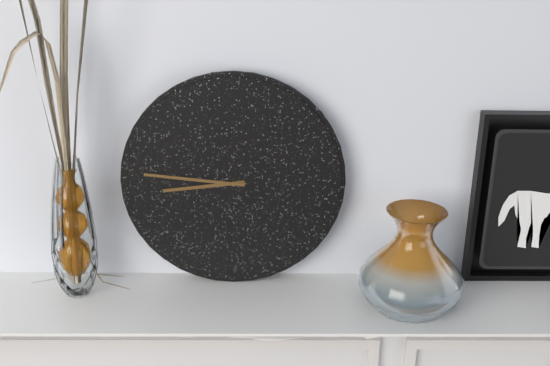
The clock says **8:46**
